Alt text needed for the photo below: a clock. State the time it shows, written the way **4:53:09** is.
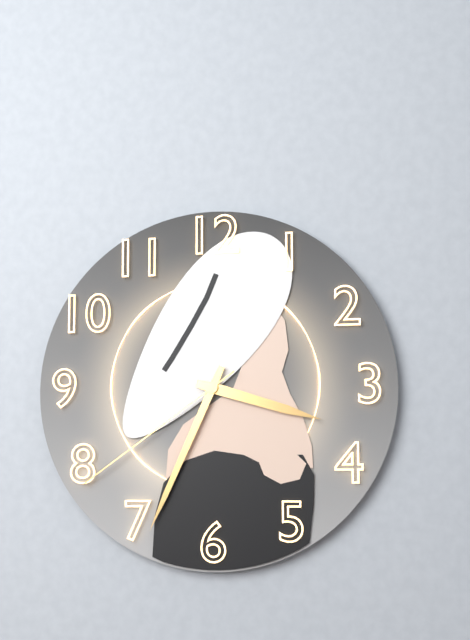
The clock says **3:34:39**
